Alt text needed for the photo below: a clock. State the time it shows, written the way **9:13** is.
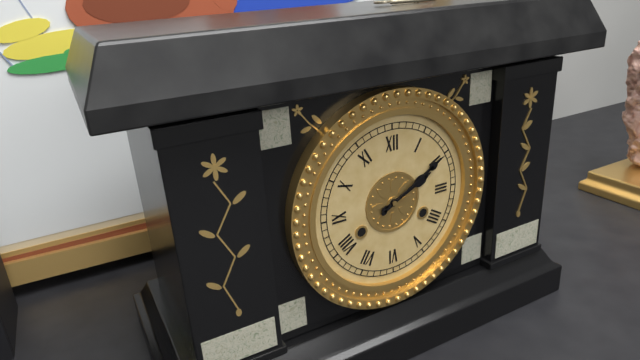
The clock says **2:10**
